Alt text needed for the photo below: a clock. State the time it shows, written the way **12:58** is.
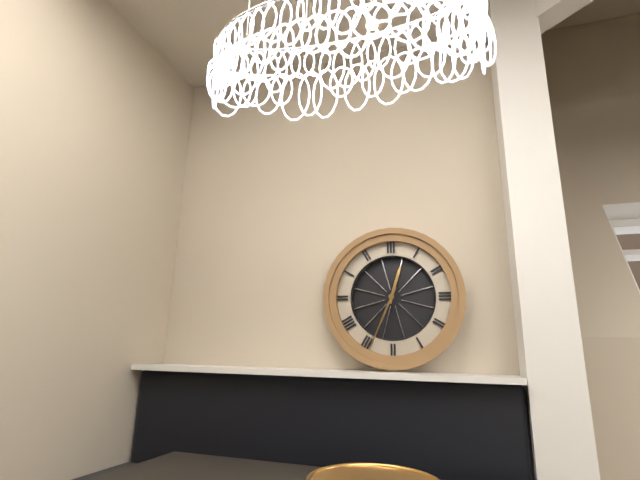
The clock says **12:34**
